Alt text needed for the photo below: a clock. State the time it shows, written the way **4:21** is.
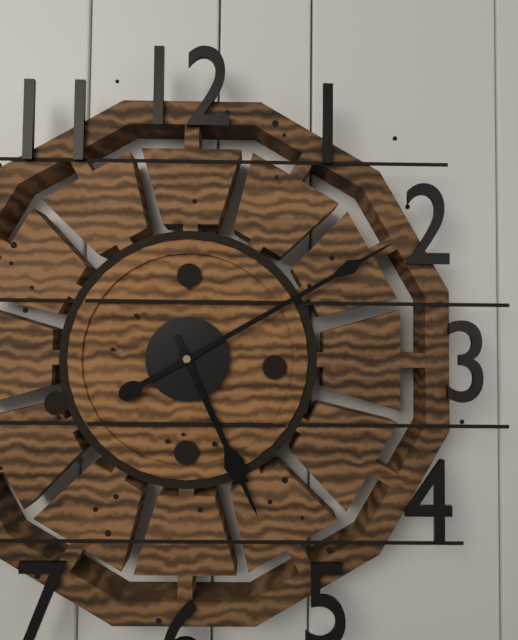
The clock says **5:10**
